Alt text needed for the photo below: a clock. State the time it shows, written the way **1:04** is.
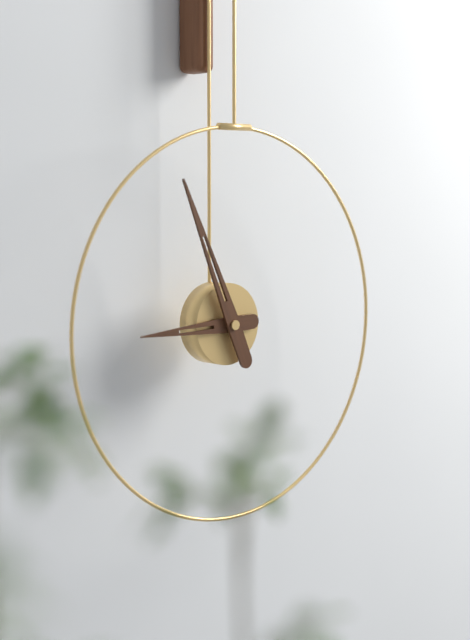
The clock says **8:56**
